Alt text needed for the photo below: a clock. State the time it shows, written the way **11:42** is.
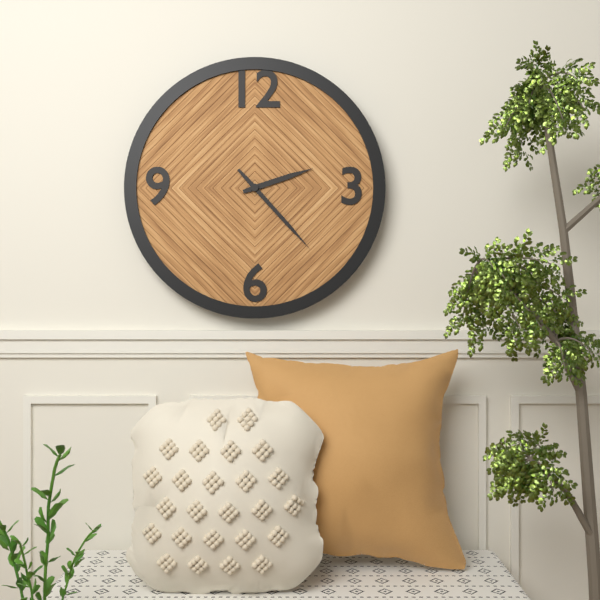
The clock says **2:23**
